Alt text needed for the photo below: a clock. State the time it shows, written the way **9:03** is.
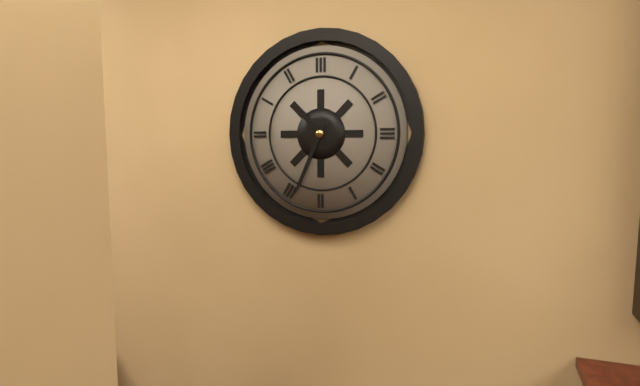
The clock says **10:34**
